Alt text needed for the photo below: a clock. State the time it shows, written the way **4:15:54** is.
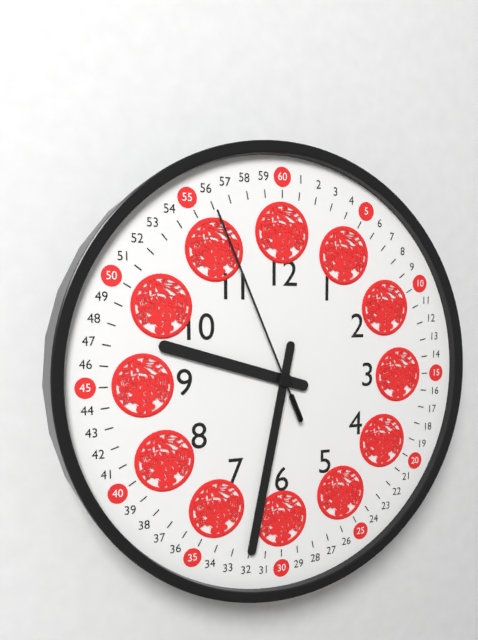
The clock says **9:32:56**
